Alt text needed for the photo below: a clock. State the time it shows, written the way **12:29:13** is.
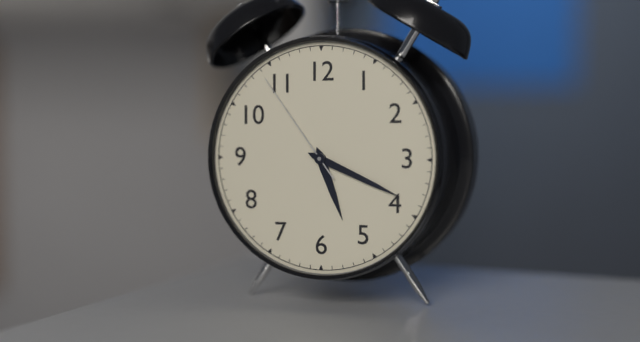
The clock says **5:19:54**
